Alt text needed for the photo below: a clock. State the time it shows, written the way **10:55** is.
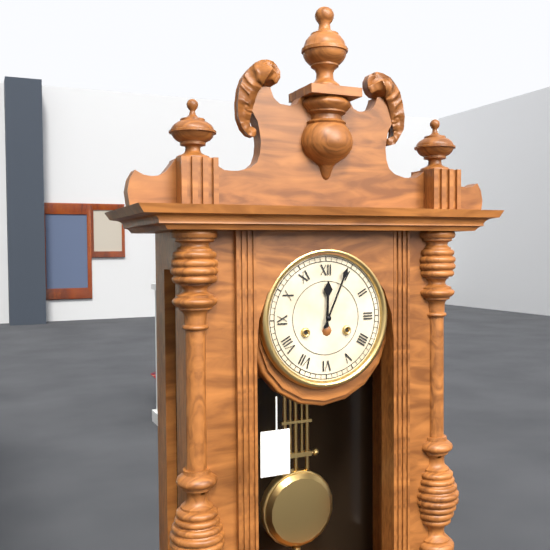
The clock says **12:04**
